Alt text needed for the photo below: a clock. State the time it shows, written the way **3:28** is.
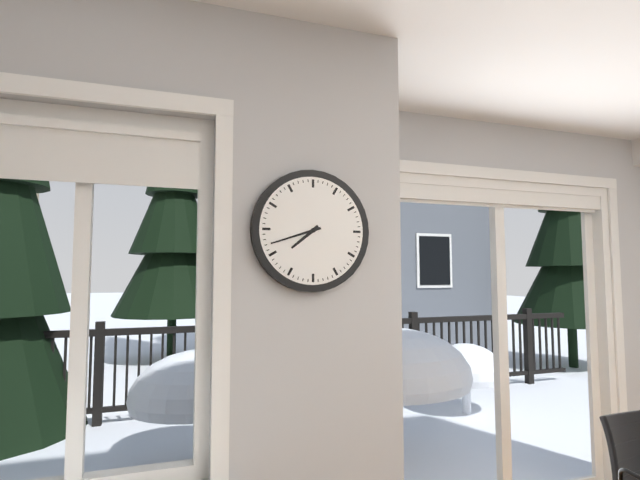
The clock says **7:42**
